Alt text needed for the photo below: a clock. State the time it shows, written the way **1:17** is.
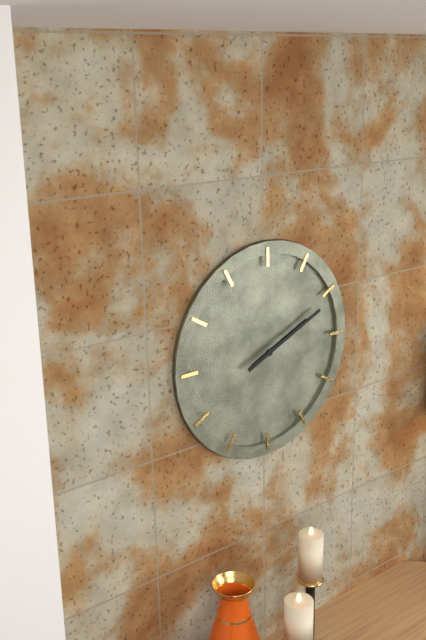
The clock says **2:11**
